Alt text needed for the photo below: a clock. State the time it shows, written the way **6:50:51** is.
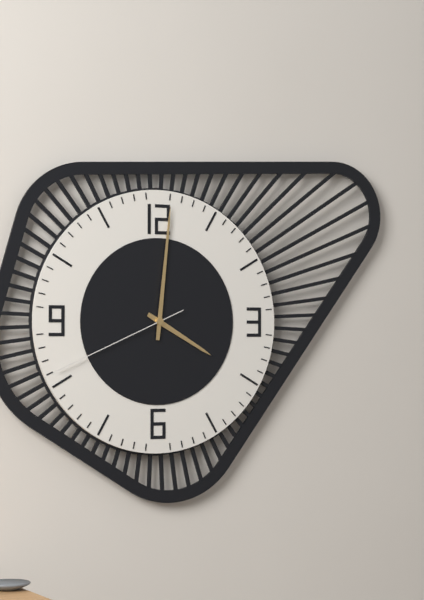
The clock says **4:01:41**
